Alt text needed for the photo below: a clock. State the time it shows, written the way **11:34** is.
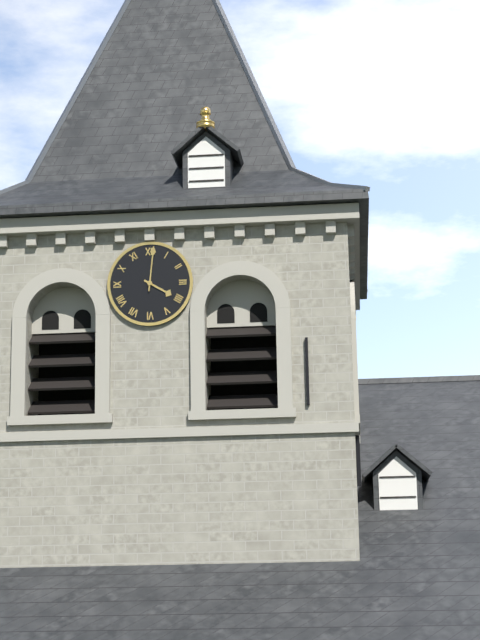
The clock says **4:01**
